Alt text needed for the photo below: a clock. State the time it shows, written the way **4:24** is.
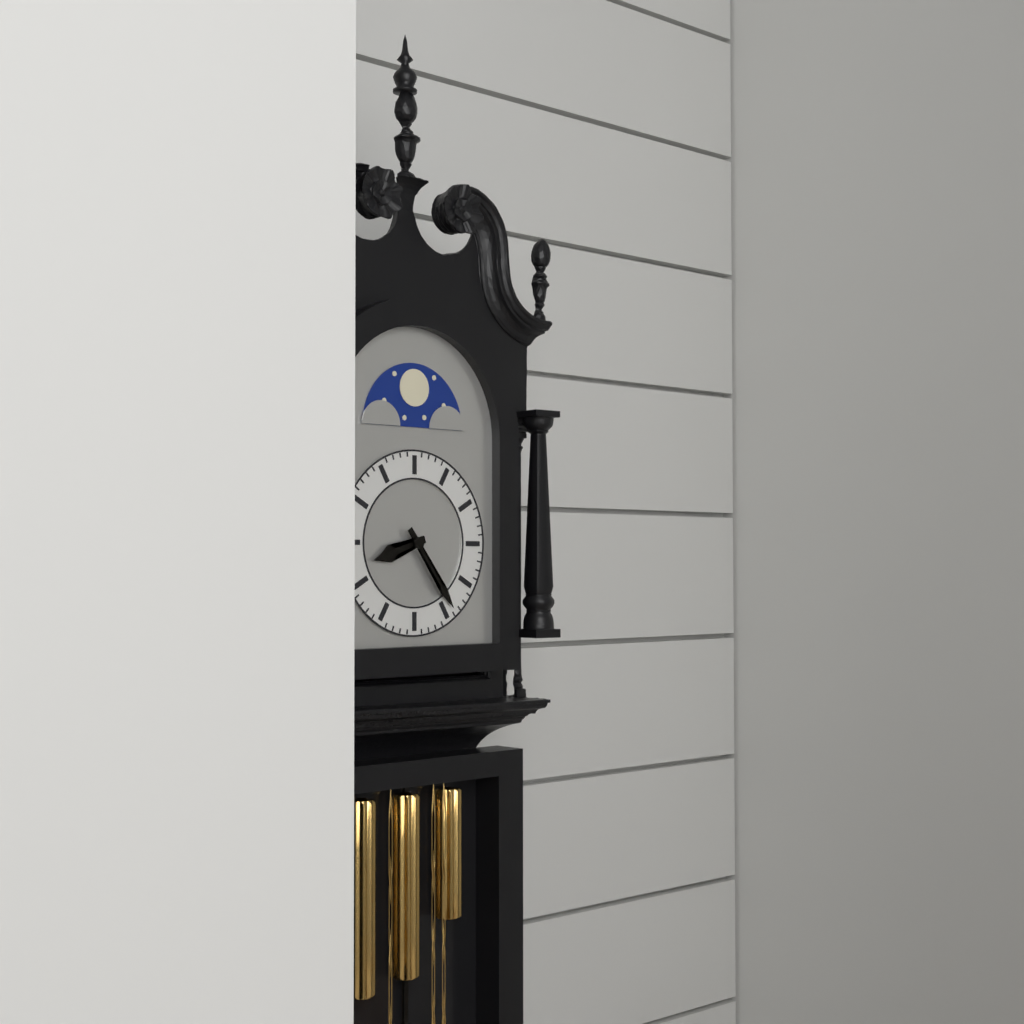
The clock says **8:24**
